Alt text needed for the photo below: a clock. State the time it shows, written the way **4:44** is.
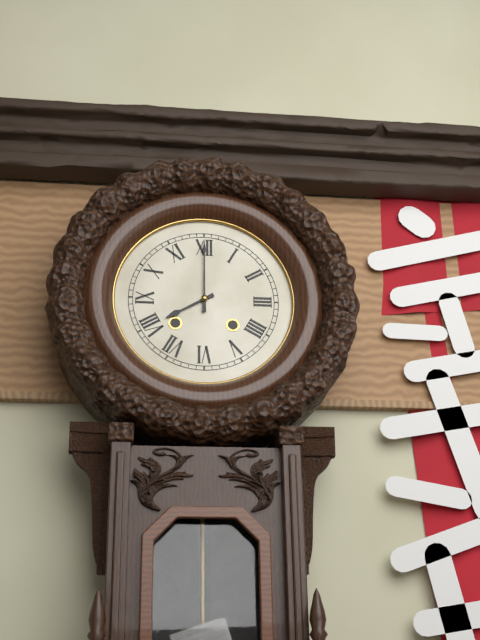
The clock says **8:00**
